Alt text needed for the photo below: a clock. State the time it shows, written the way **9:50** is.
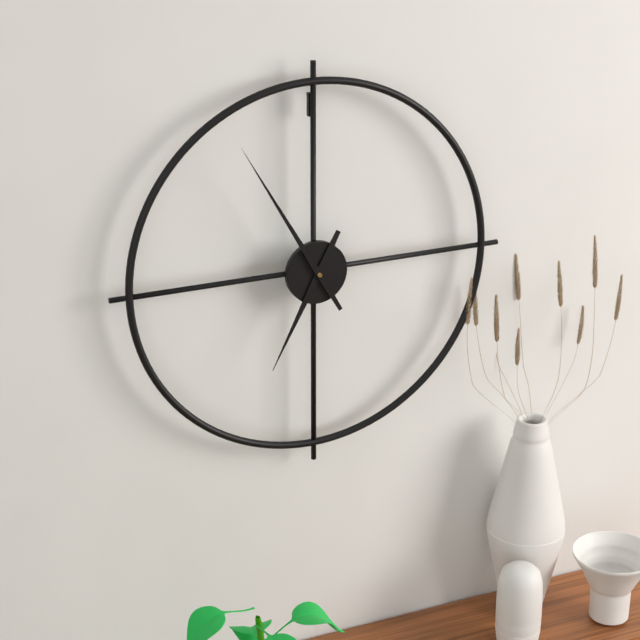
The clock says **6:55**
